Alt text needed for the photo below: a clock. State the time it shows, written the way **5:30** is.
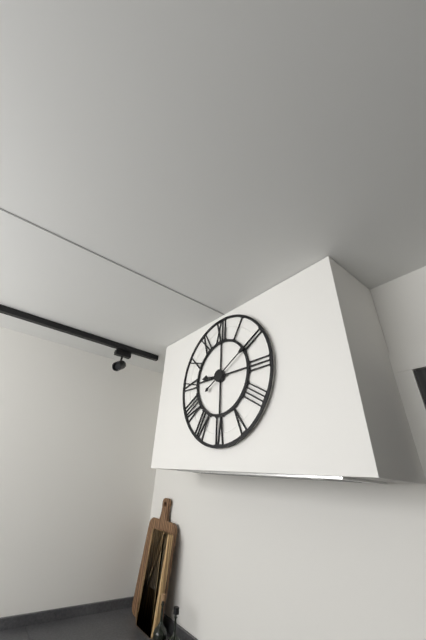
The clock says **9:10**
